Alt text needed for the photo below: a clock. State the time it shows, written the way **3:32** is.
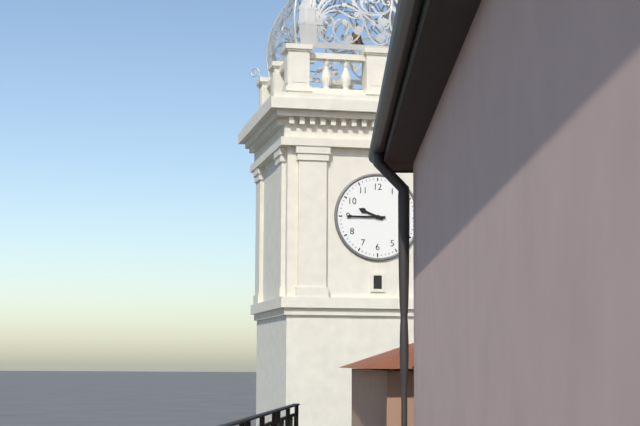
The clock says **9:45**
